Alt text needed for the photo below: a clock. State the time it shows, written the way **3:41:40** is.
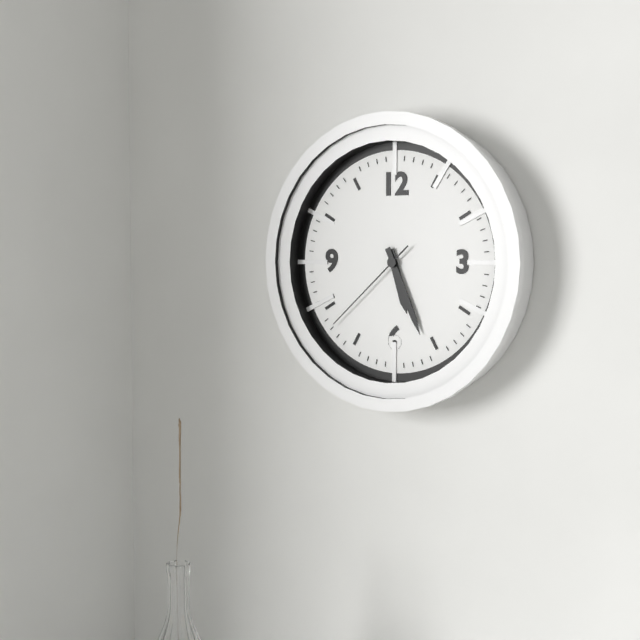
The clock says **5:26:38**
